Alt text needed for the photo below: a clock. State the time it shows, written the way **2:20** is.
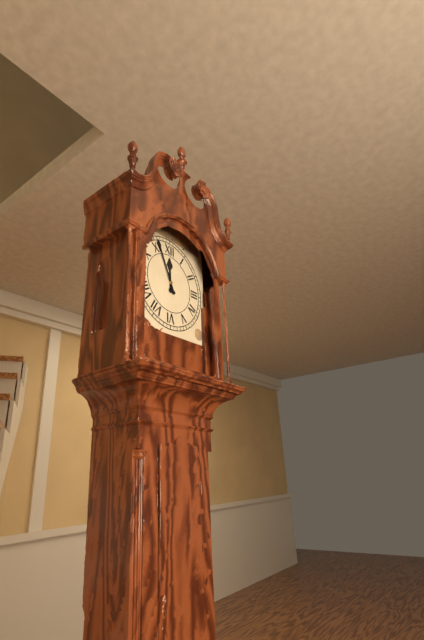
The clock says **11:56**
